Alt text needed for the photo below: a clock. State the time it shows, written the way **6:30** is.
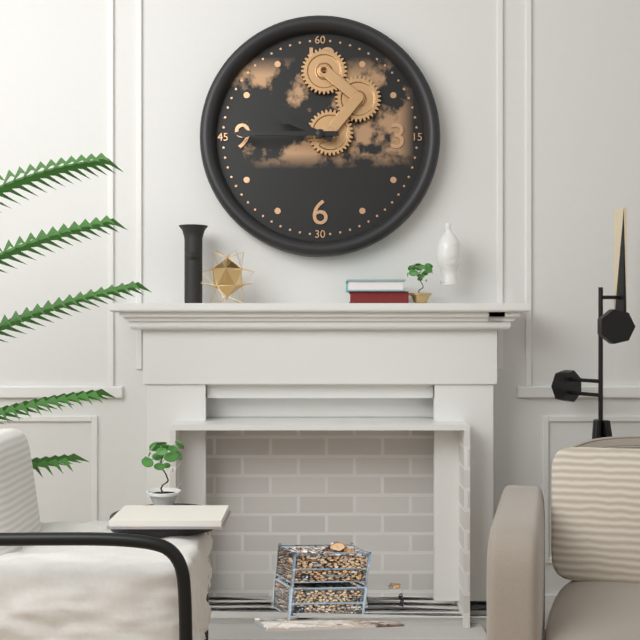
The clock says **9:45**
